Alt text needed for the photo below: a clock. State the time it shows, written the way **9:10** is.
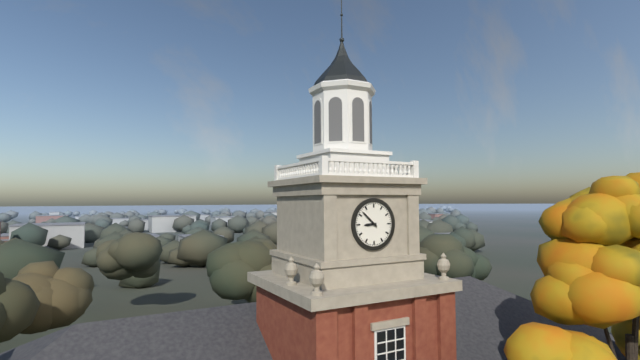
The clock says **8:52**
